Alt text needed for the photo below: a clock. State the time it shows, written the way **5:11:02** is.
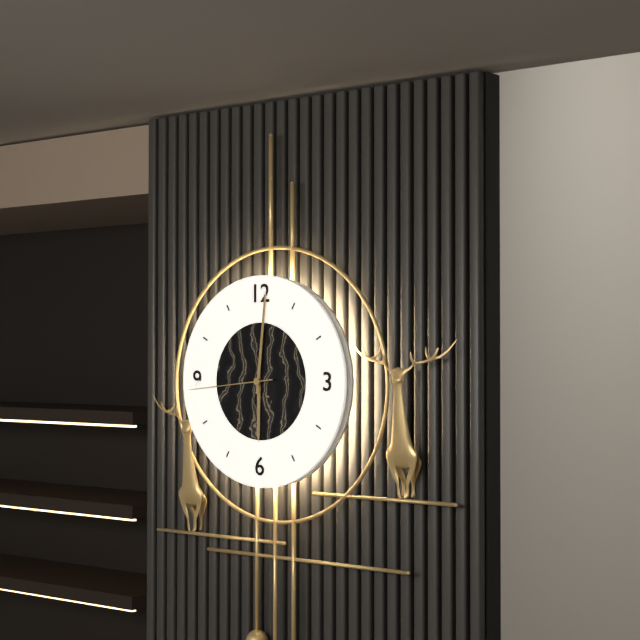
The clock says **6:01:44**
